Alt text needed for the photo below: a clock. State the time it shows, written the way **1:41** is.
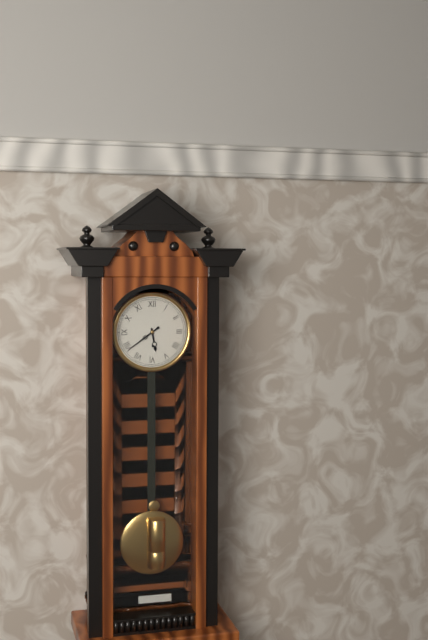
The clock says **5:39**
